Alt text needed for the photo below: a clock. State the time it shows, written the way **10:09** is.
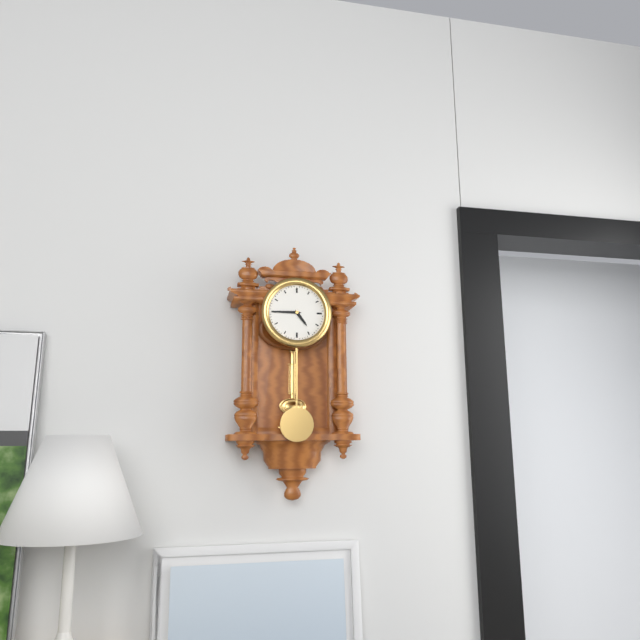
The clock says **4:45**
